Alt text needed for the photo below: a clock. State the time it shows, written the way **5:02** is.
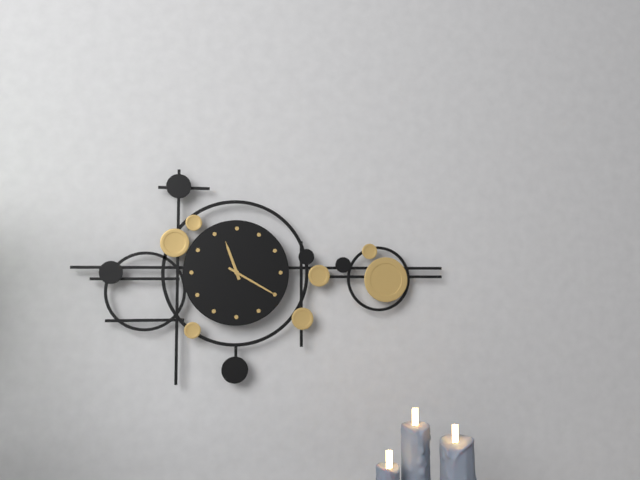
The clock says **11:20**
